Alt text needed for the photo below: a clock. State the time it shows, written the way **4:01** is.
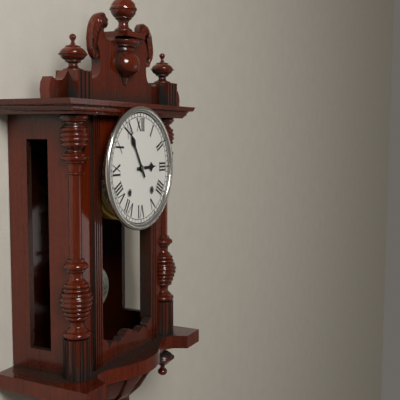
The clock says **2:55**
